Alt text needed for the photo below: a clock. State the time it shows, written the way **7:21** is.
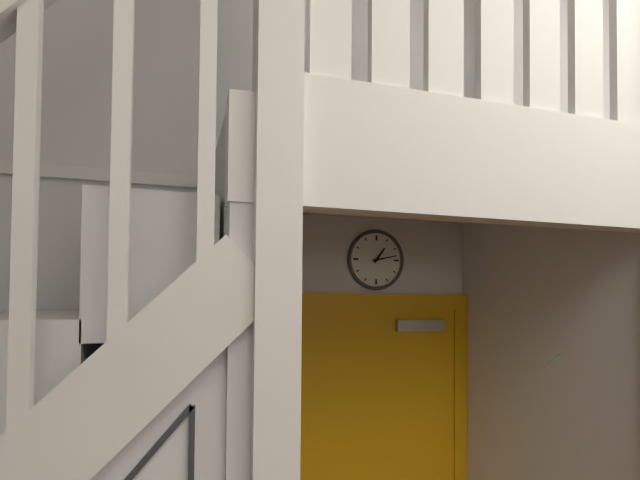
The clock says **1:13**
